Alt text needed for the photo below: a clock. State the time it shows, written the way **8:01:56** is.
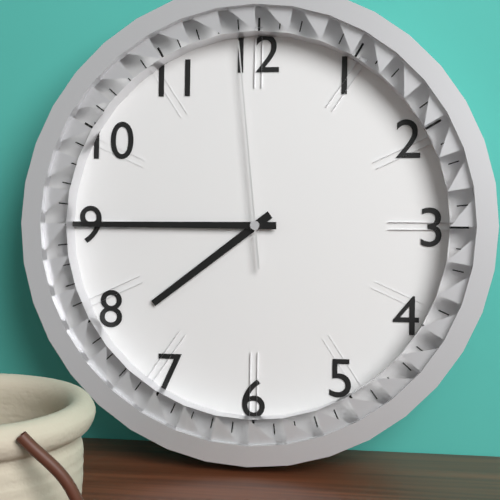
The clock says **7:45:59**
